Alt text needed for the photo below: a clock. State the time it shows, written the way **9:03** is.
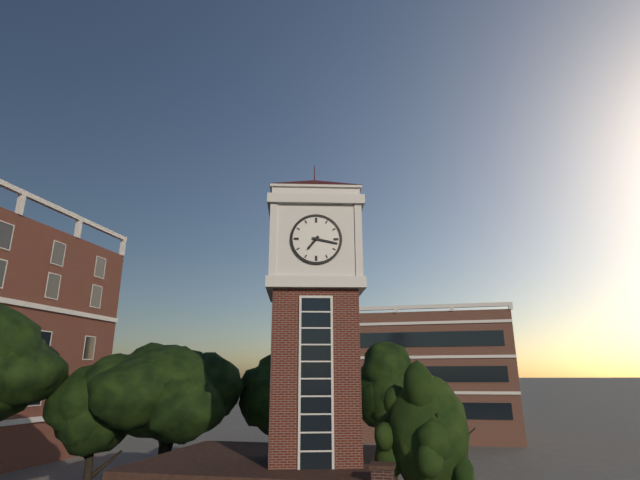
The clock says **7:17**
